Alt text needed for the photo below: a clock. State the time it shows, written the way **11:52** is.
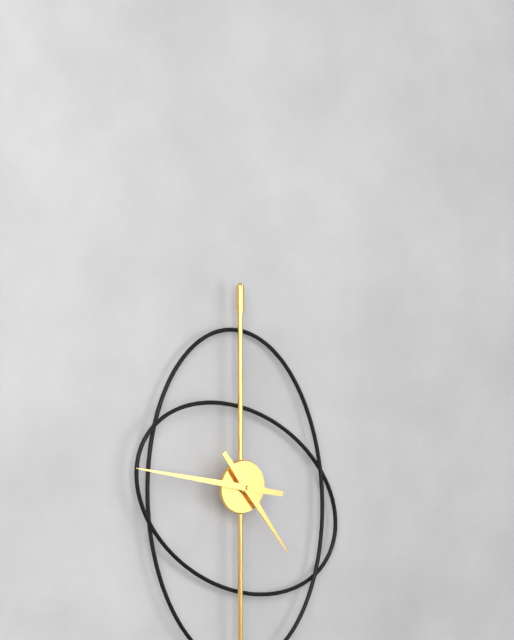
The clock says **4:47**
